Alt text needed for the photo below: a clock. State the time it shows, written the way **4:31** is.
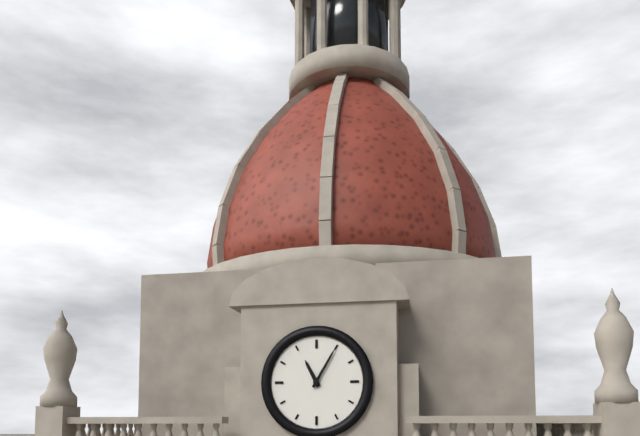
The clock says **11:05**
